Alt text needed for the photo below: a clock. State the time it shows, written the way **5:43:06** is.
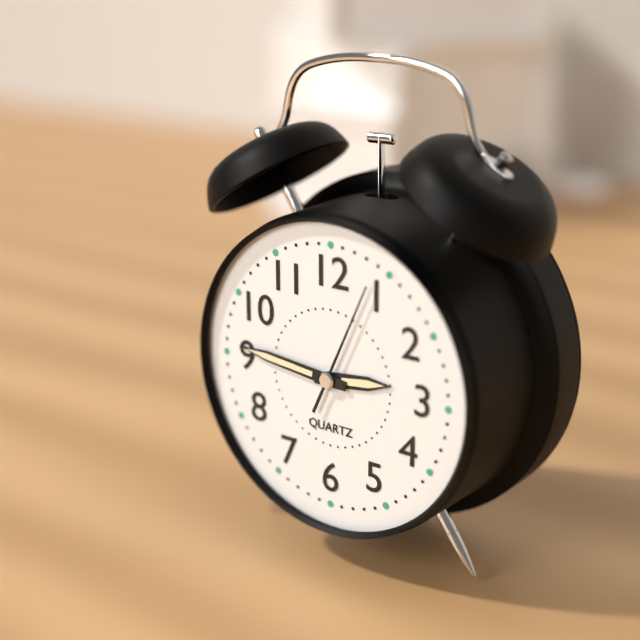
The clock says **2:46:04**
